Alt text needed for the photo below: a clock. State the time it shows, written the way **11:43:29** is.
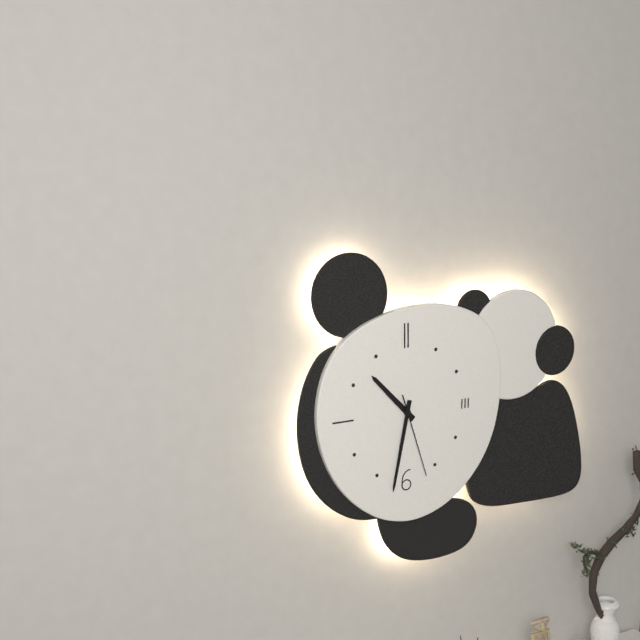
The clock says **10:32:27**
